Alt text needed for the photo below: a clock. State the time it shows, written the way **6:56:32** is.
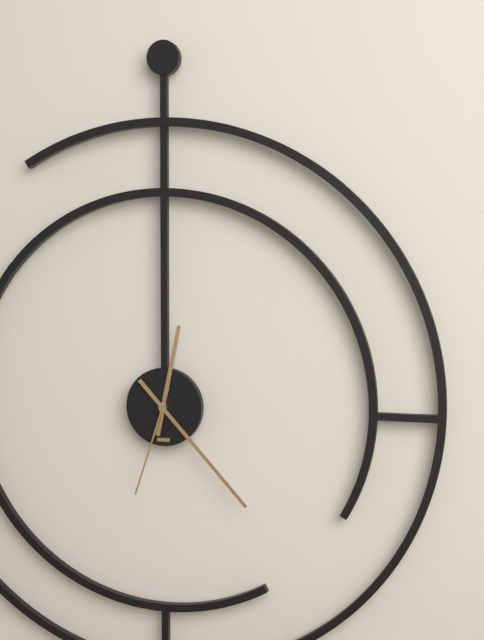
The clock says **12:23:33**
